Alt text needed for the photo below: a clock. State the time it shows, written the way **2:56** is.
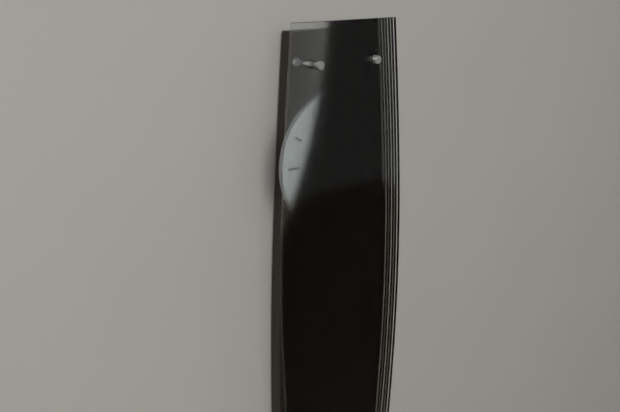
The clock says **4:02**
